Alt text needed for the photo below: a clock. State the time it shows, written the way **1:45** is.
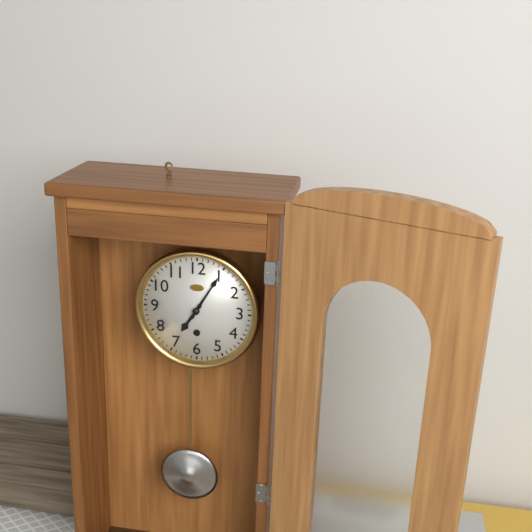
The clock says **7:05**
